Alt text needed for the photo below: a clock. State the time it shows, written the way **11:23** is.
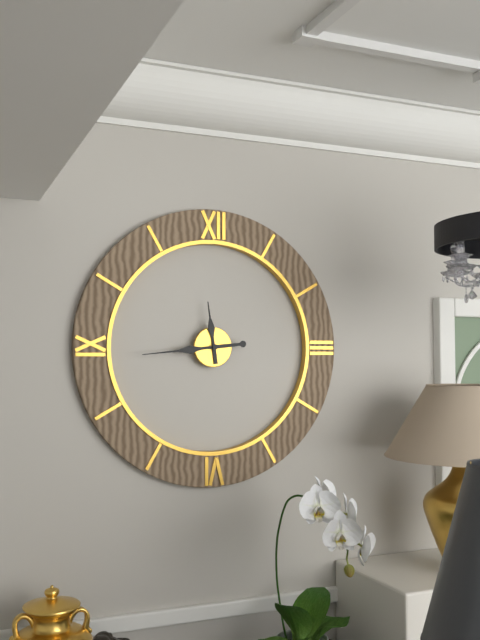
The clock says **11:44**
